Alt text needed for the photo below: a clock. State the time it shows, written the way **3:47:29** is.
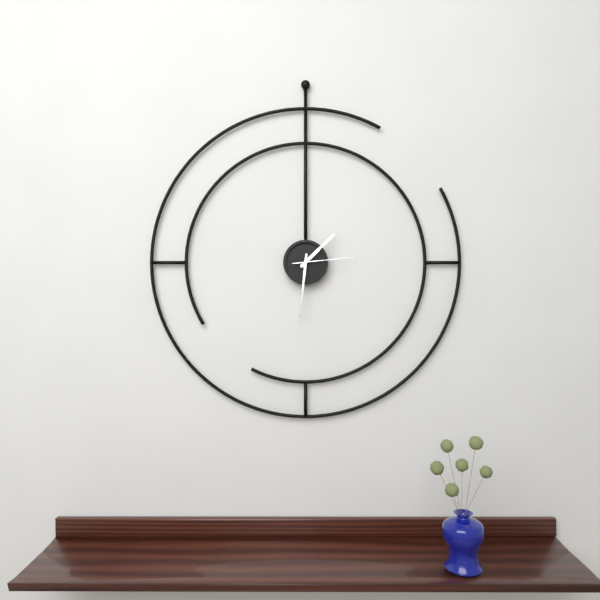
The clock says **1:31:14**
